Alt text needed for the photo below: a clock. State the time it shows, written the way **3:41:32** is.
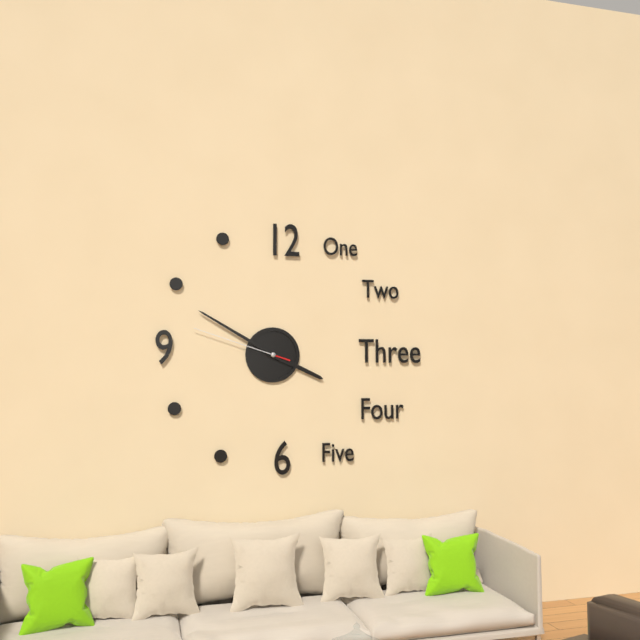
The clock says **3:50:48**
